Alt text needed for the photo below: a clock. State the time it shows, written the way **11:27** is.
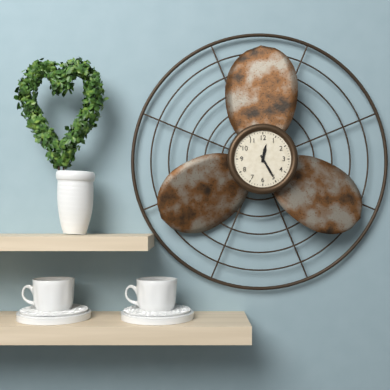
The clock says **12:25**
